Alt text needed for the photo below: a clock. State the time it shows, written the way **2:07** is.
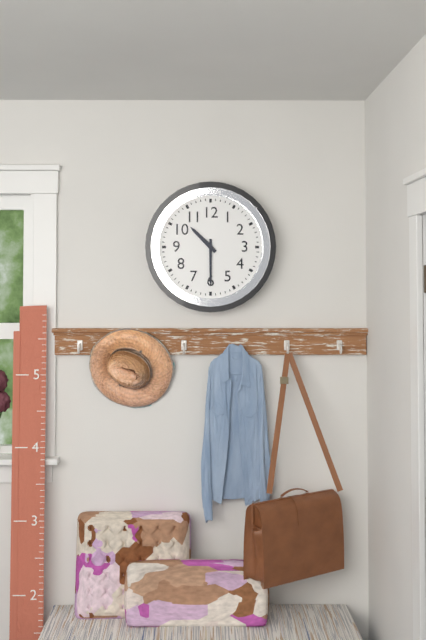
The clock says **10:30**
